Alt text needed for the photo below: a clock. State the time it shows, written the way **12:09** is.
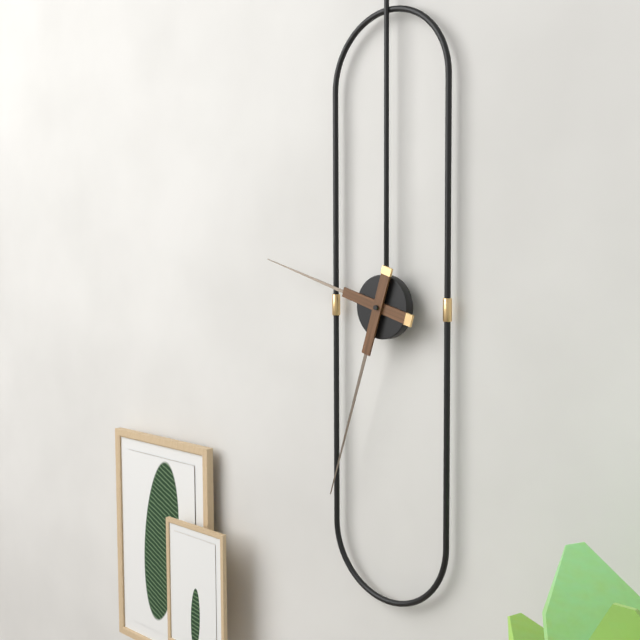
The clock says **9:33**
